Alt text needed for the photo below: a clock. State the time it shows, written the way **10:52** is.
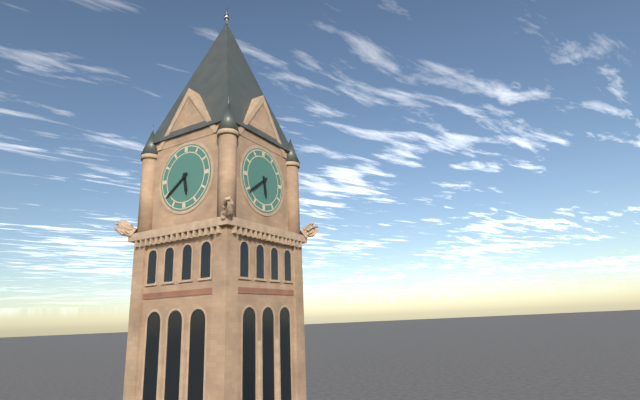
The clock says **5:39**
